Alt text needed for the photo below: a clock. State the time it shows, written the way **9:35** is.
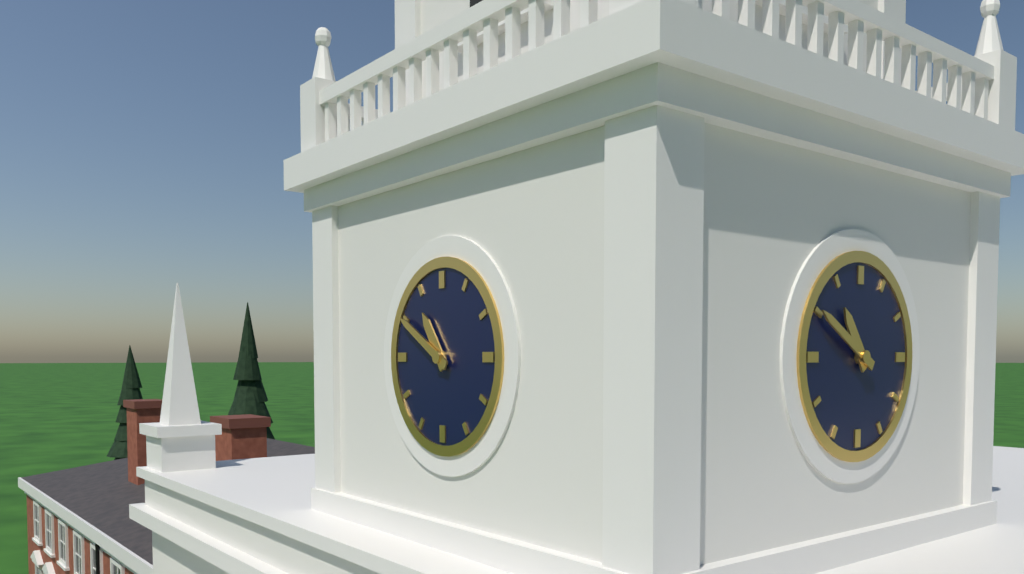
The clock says **10:50**
